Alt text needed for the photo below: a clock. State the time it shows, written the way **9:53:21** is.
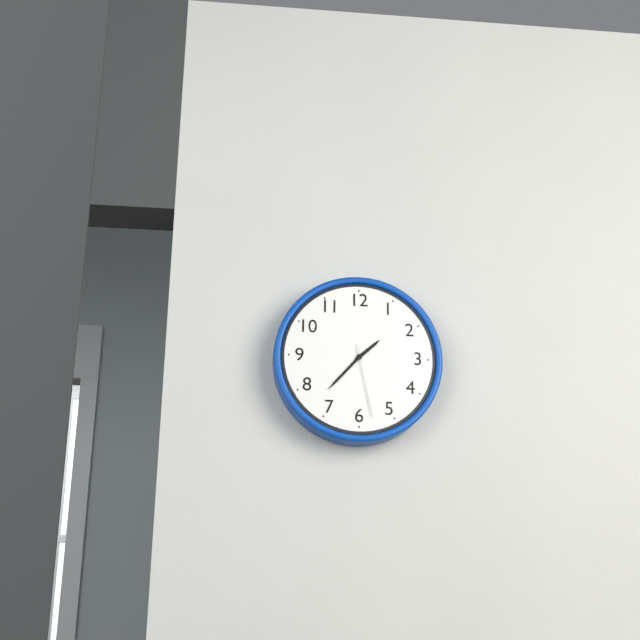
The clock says **1:37:28**
